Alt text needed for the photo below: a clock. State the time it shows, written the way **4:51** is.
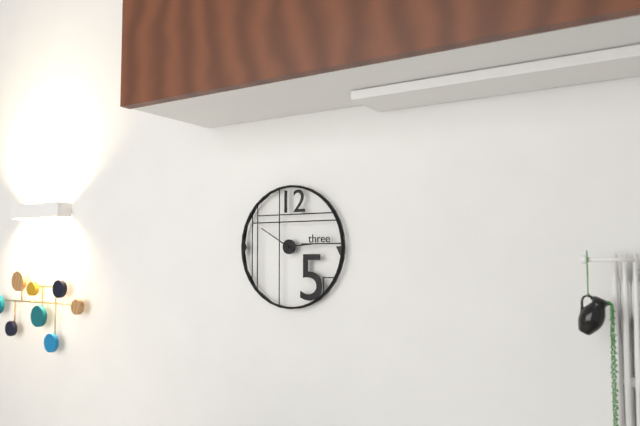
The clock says **2:50**
